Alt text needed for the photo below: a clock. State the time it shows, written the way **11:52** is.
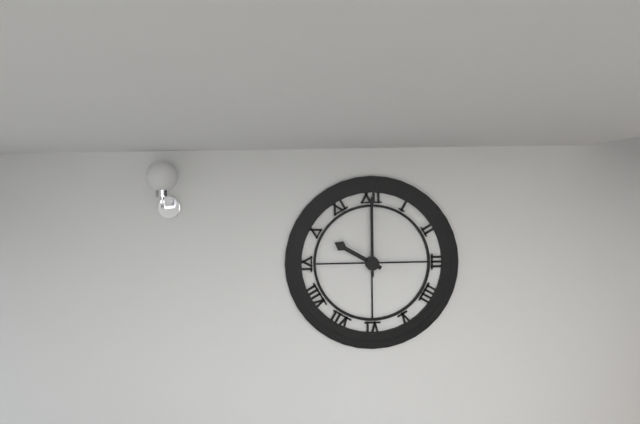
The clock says **10:00**
